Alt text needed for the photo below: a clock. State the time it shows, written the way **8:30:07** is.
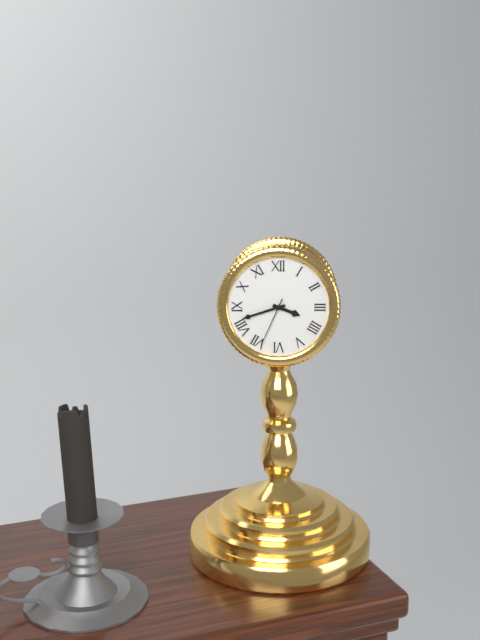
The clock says **3:42:34**
